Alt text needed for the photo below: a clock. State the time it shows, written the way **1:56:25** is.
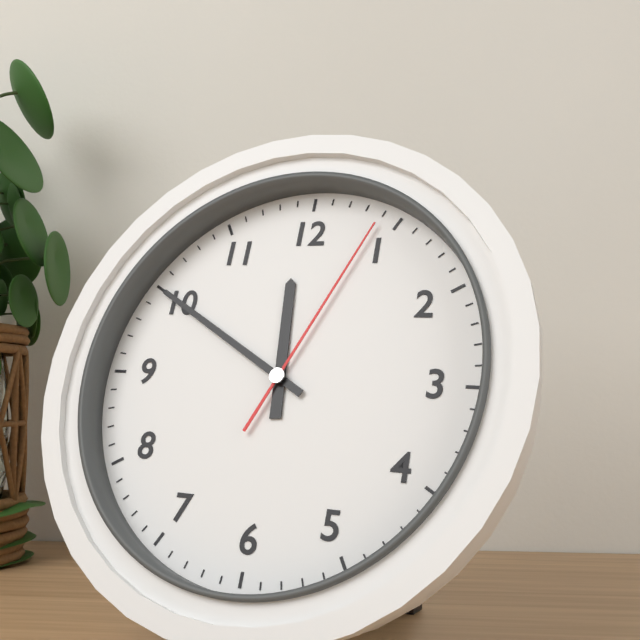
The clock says **11:50:04**
